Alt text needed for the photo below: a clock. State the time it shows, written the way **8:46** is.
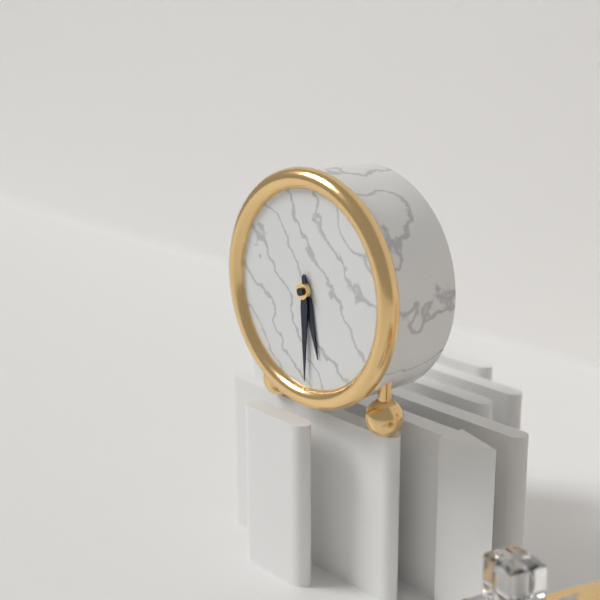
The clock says **5:30**
